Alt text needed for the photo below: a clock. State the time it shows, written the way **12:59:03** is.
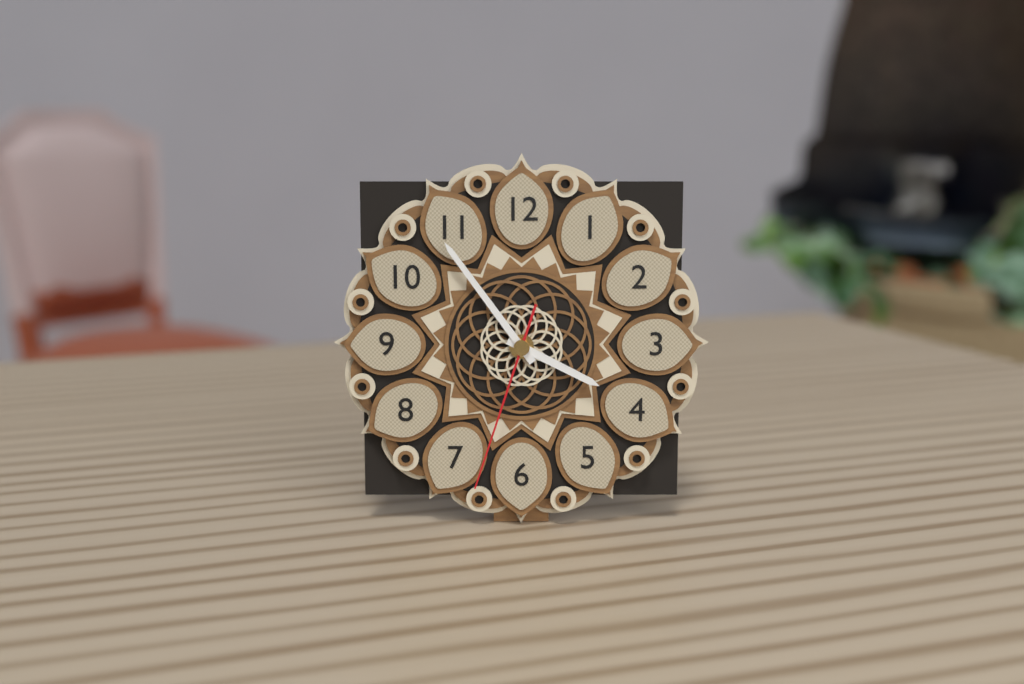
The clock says **3:54:33**
